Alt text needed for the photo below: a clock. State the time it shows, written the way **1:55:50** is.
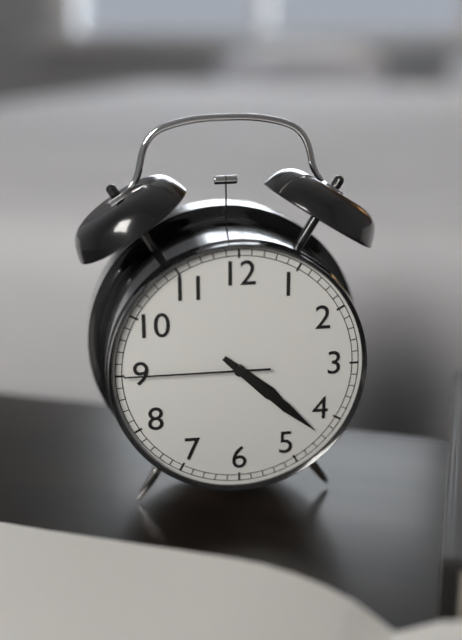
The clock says **4:22:45**
